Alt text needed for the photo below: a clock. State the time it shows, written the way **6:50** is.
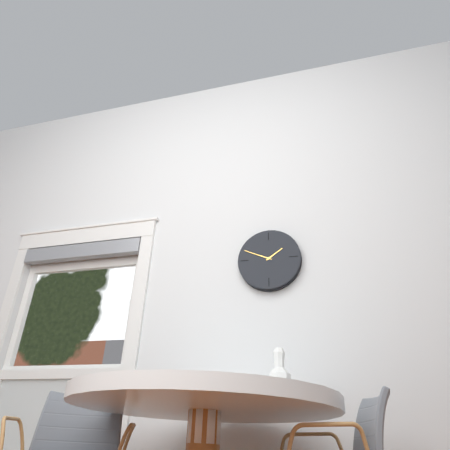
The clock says **1:49**
